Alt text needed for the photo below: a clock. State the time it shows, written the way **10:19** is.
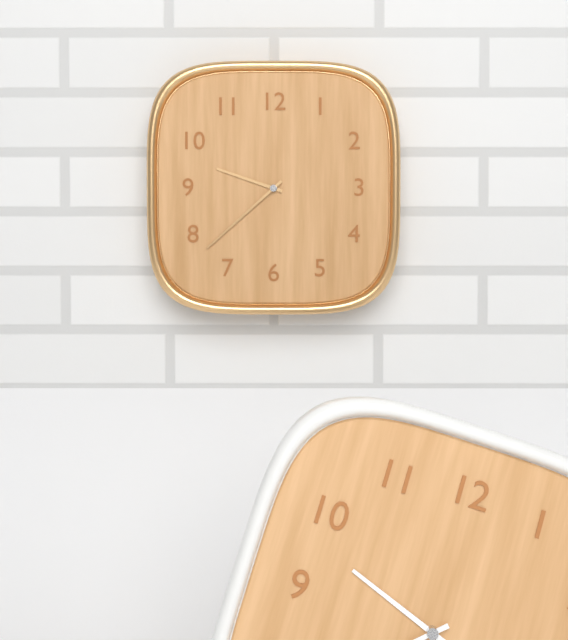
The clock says **9:38**
